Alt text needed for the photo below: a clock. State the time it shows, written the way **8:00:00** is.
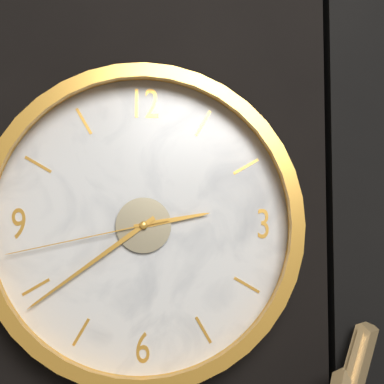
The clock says **2:39:43**
